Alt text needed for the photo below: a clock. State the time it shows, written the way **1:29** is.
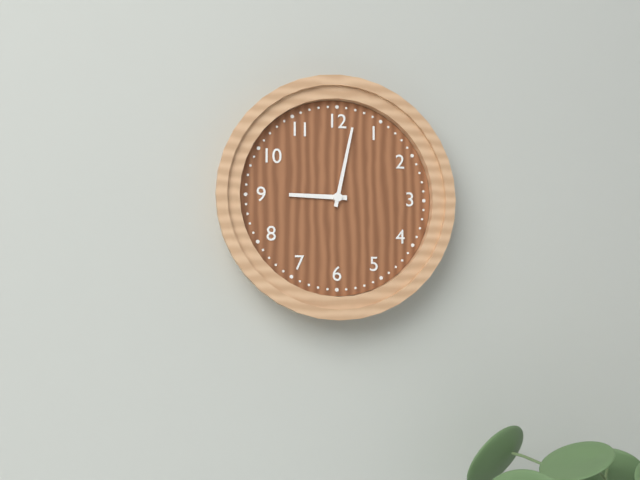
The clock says **9:02**
